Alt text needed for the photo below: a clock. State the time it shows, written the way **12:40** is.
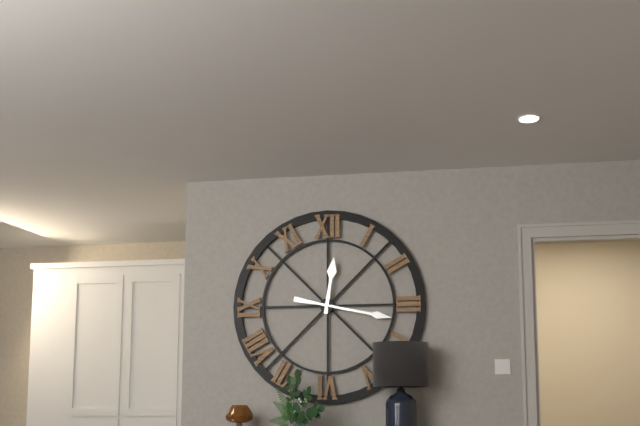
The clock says **12:17**
